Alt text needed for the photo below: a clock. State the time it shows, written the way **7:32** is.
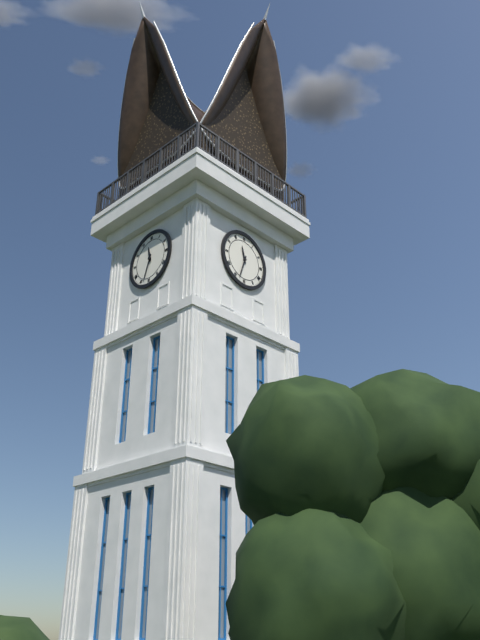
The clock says **11:33**
